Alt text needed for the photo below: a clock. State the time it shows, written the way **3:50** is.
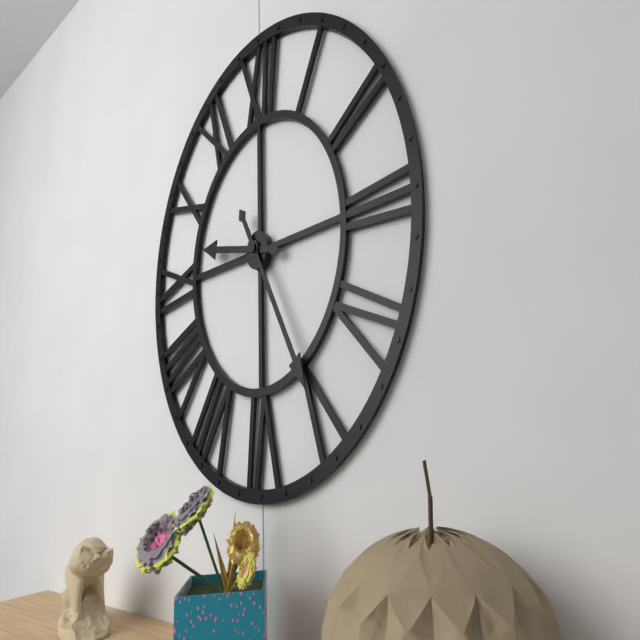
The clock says **9:25**
